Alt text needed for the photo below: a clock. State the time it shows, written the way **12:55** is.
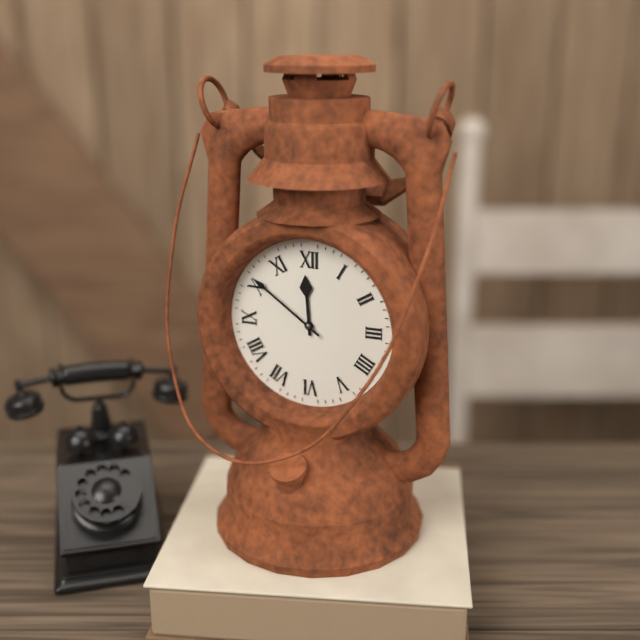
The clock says **11:51**
